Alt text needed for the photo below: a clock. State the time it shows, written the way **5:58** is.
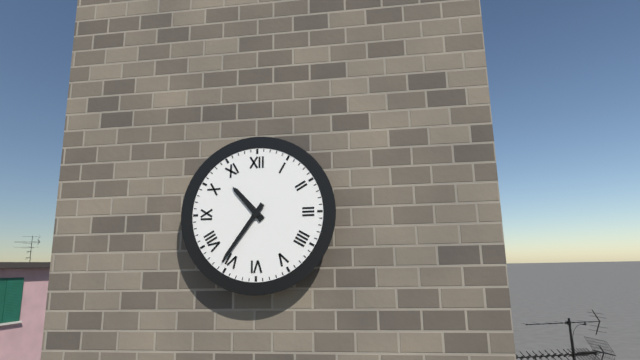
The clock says **10:36**
